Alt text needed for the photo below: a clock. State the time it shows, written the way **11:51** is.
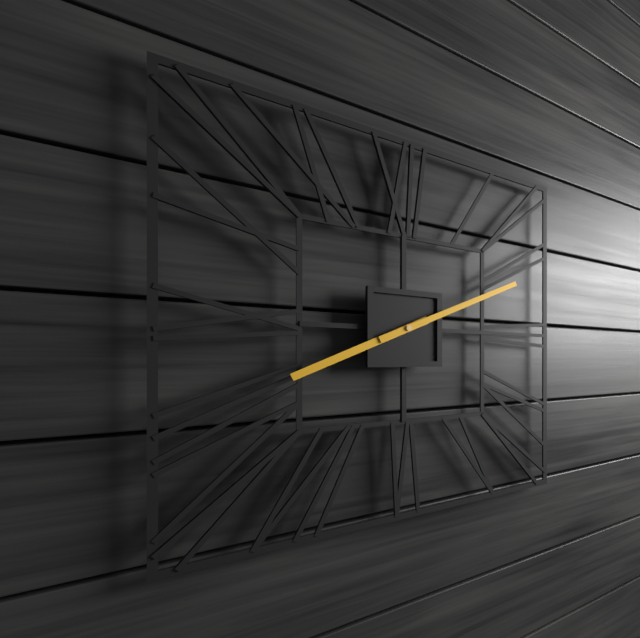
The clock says **8:11**
